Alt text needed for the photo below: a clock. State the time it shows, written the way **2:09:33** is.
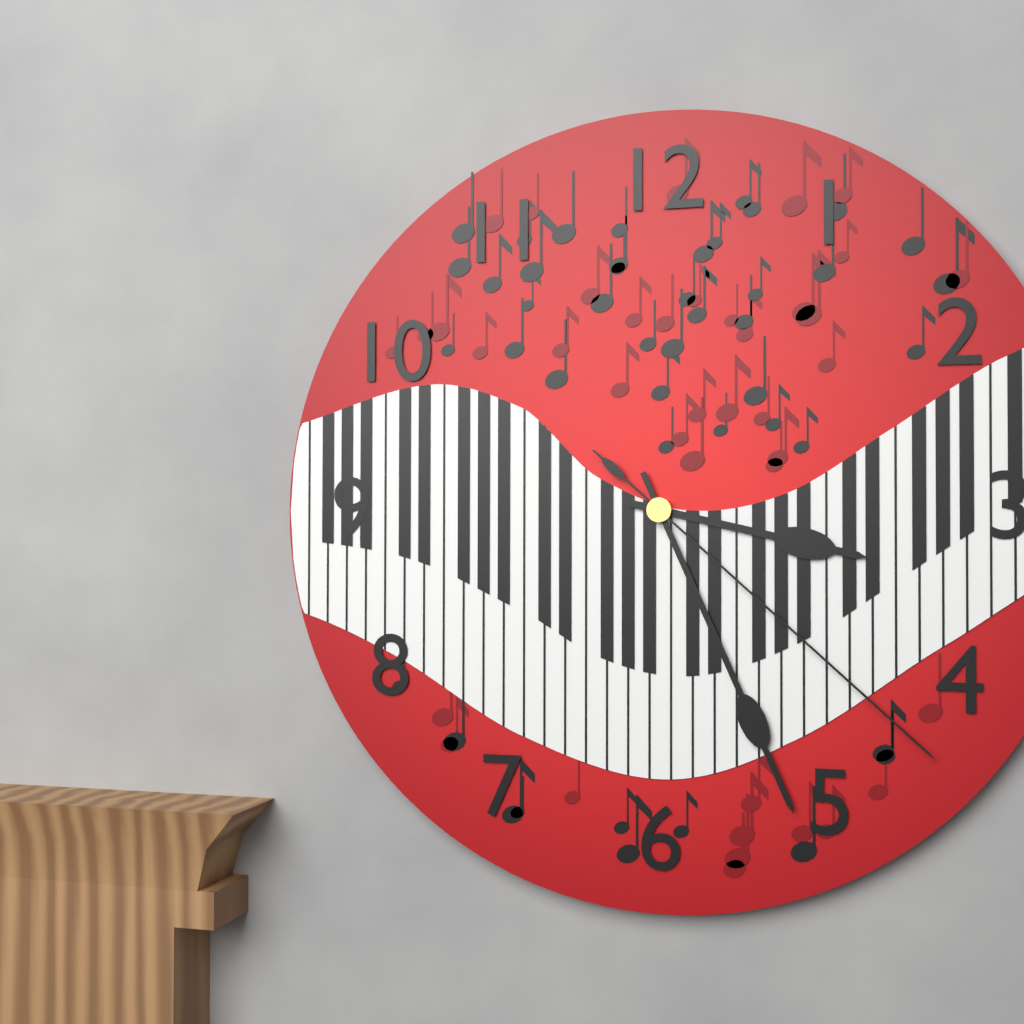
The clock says **3:26:22**
